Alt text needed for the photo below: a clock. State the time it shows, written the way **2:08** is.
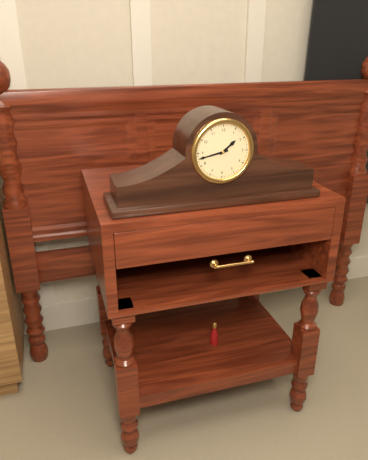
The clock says **1:43**
